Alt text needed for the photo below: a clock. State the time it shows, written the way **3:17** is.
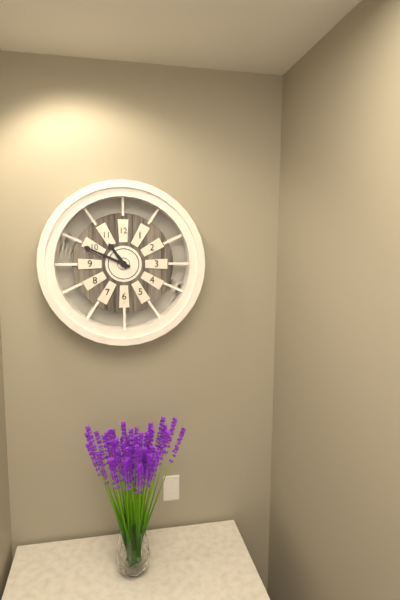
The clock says **10:49**
